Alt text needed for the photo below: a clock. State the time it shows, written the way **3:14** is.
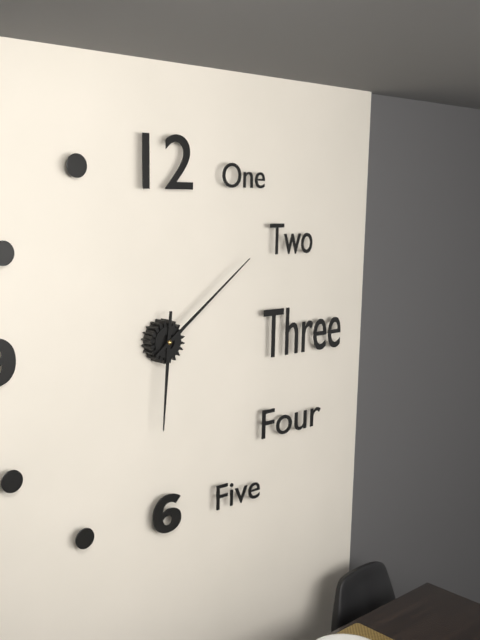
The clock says **6:09**
